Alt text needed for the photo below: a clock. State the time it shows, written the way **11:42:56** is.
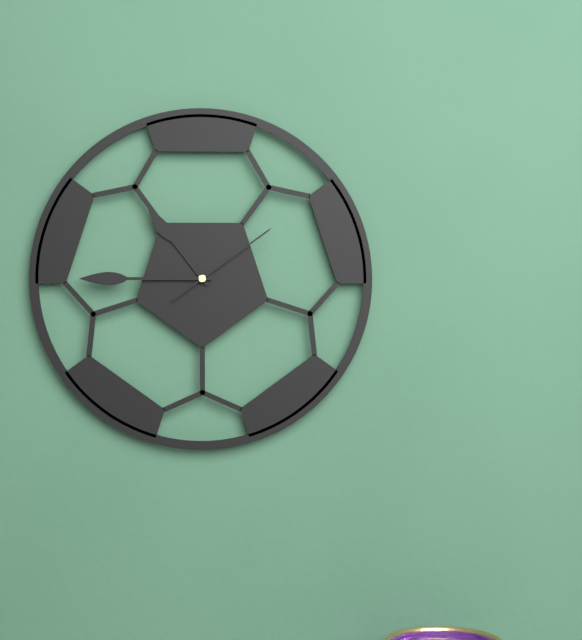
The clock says **10:45:09**
